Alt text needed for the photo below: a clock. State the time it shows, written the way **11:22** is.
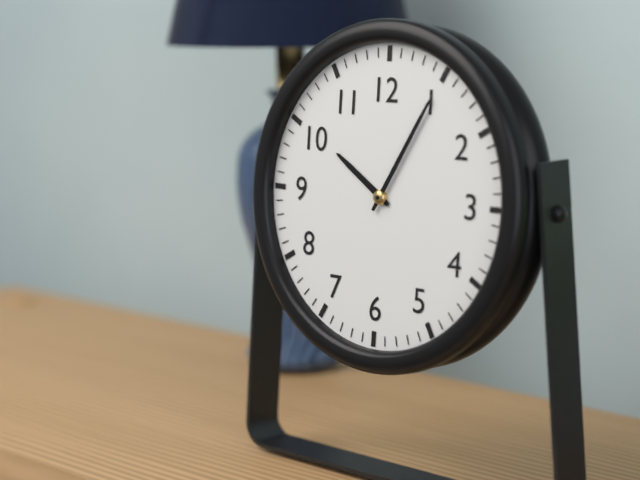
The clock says **10:05**
